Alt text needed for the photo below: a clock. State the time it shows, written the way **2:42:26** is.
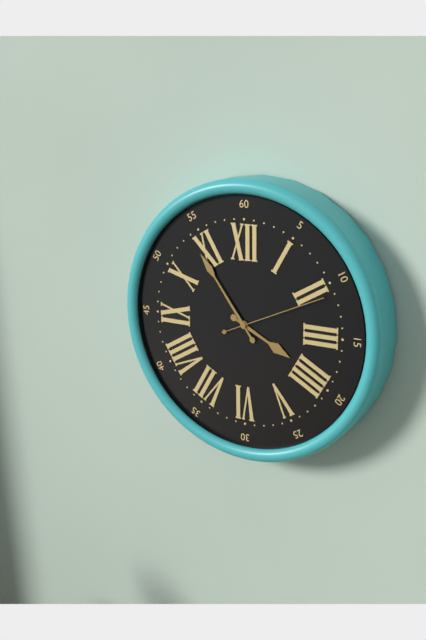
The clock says **3:54:11**
